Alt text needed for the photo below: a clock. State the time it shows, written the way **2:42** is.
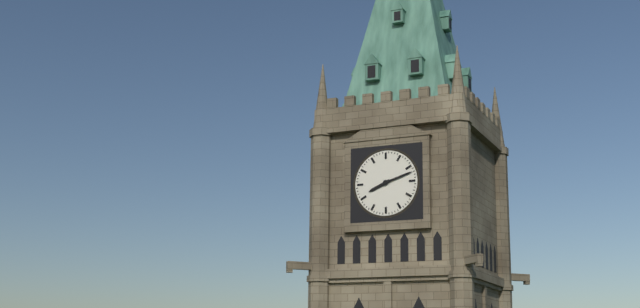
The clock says **8:12**
